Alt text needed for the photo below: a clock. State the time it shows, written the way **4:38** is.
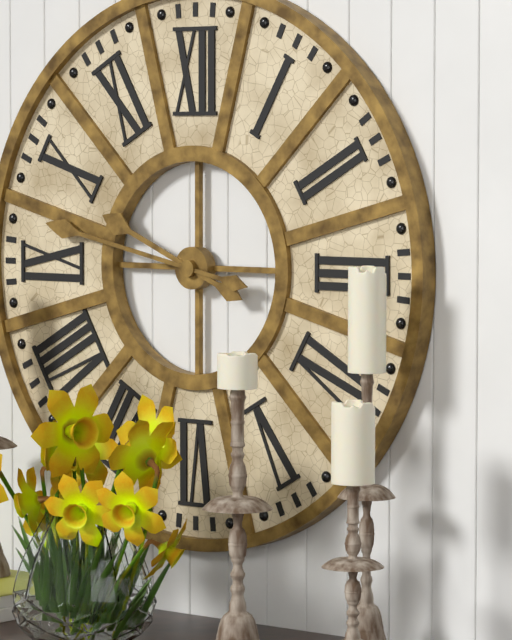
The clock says **9:47**
